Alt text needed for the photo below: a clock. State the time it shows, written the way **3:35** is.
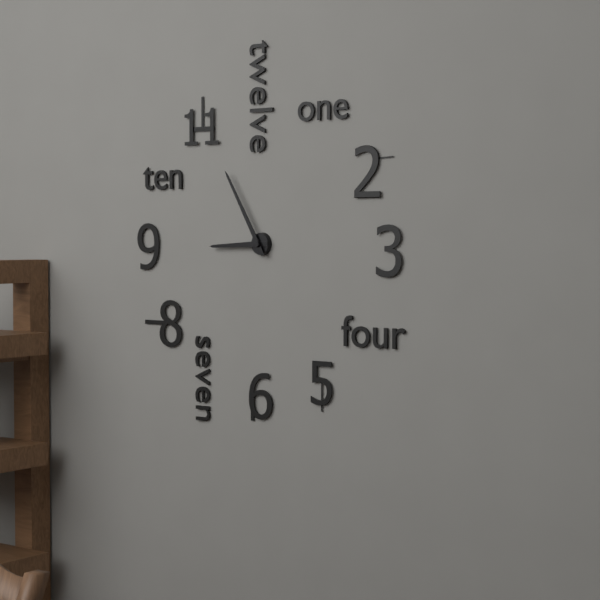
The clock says **8:55**
